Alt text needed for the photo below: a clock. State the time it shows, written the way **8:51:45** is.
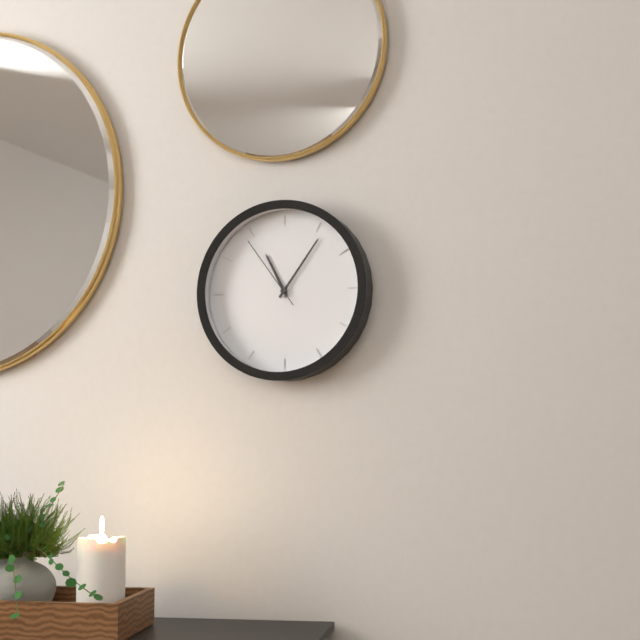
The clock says **11:06:54**
